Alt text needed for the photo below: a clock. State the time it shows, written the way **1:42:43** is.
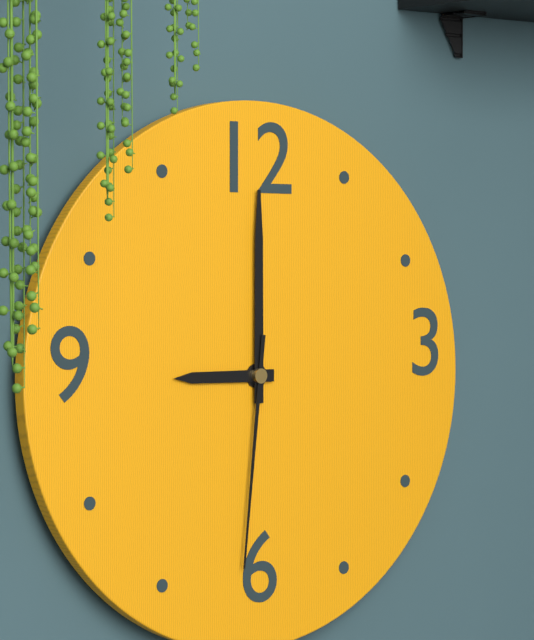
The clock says **9:00:31**
